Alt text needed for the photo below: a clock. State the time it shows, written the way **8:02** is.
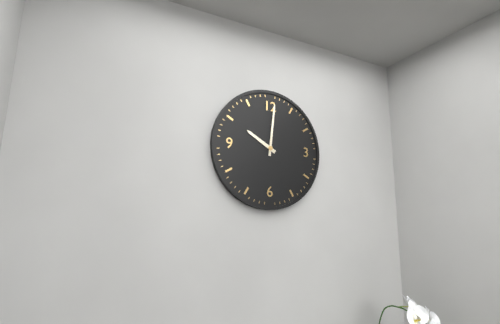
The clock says **10:01**
